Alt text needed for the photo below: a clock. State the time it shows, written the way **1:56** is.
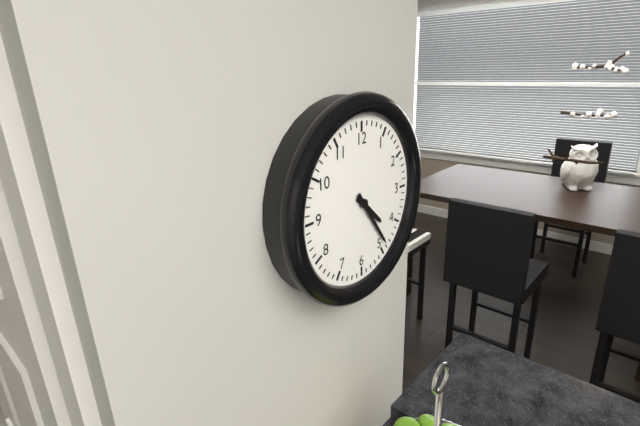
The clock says **4:24**
